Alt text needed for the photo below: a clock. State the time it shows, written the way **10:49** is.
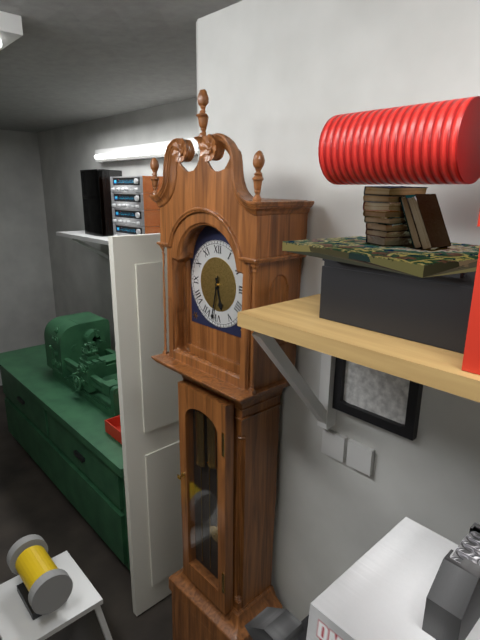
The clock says **5:32**
